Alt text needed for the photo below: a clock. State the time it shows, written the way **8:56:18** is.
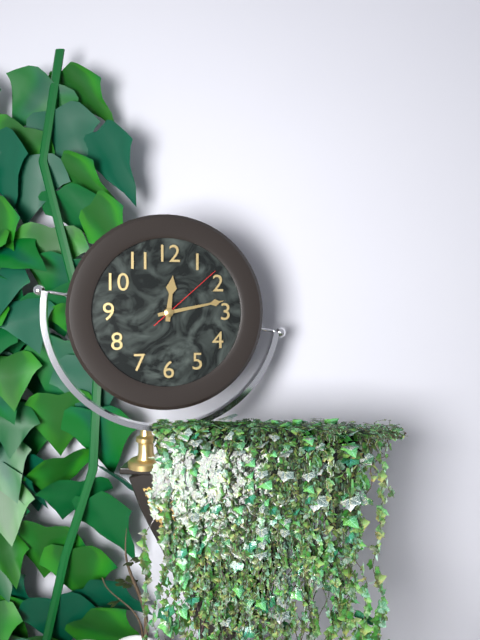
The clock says **12:13:08**
